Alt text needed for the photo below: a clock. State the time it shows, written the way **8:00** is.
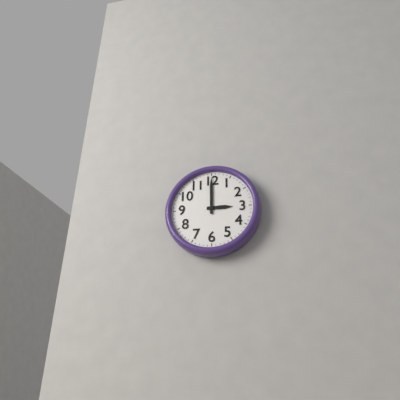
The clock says **3:00**
